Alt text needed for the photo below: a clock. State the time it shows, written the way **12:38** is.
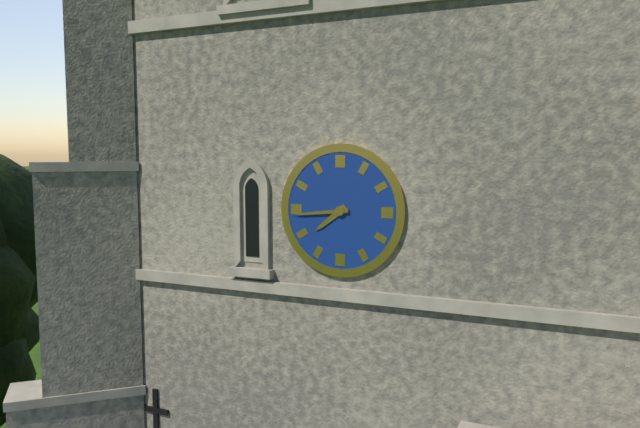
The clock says **7:44**
